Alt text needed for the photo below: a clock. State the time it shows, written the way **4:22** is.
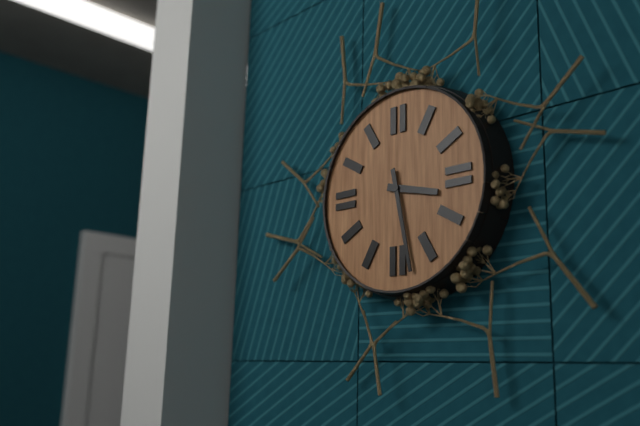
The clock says **3:28**
